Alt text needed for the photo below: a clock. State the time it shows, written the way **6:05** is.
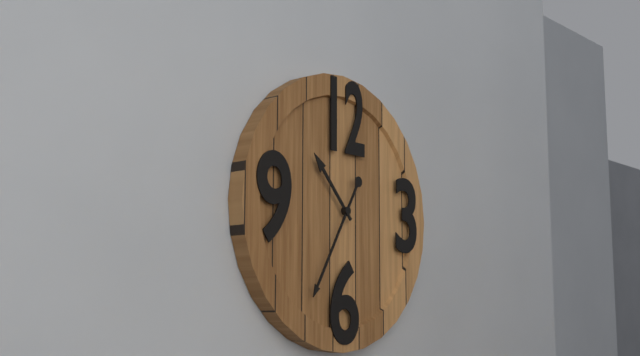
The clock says **10:35**
